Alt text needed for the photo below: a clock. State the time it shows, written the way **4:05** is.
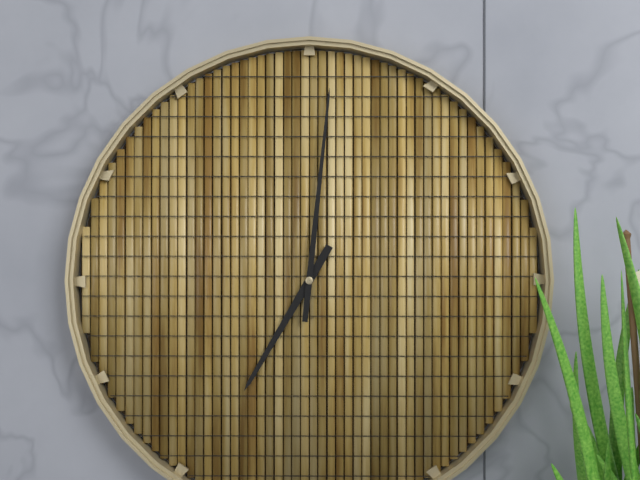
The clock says **7:01**
